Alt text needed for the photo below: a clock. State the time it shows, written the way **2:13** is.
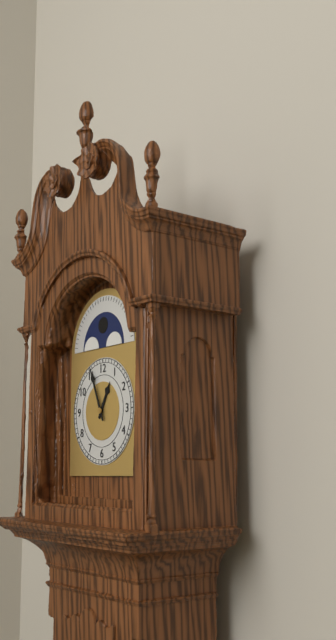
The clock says **12:56**
